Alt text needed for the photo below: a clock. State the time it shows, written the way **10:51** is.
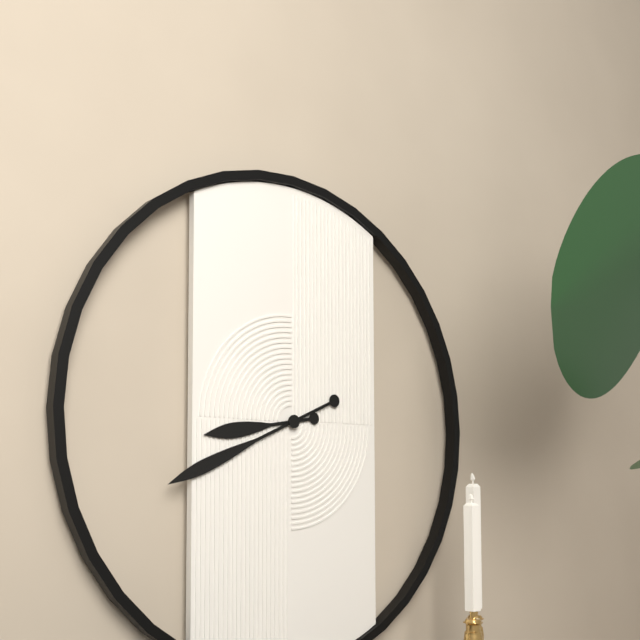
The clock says **8:41**
